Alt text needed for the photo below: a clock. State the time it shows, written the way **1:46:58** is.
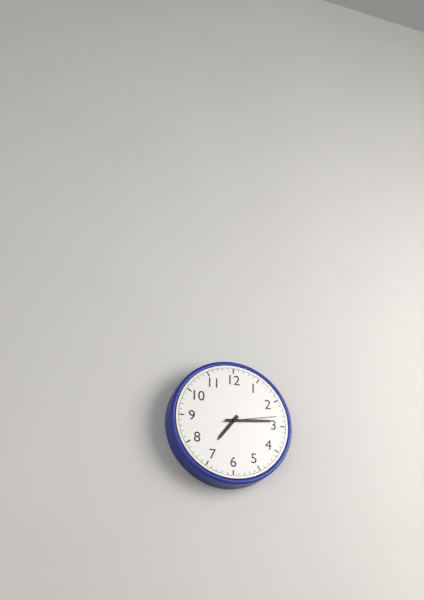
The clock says **7:14:13**
